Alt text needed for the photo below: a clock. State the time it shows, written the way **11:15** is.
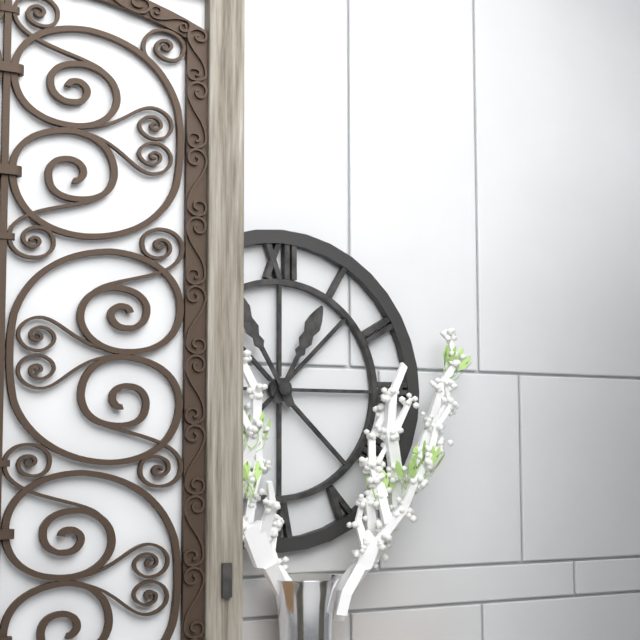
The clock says **12:55**
